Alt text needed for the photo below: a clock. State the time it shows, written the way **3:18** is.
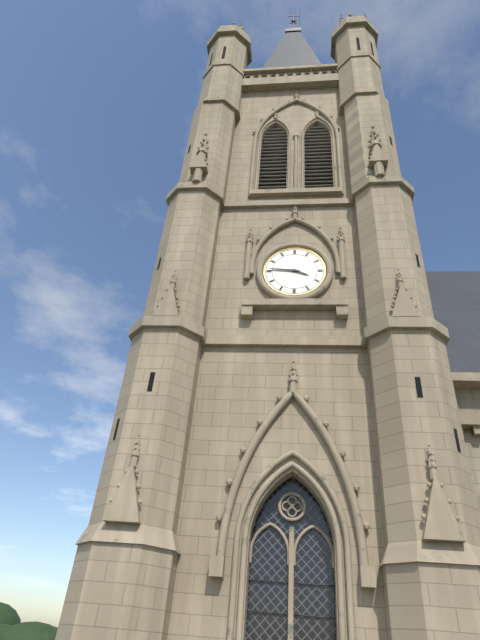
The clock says **3:46**
